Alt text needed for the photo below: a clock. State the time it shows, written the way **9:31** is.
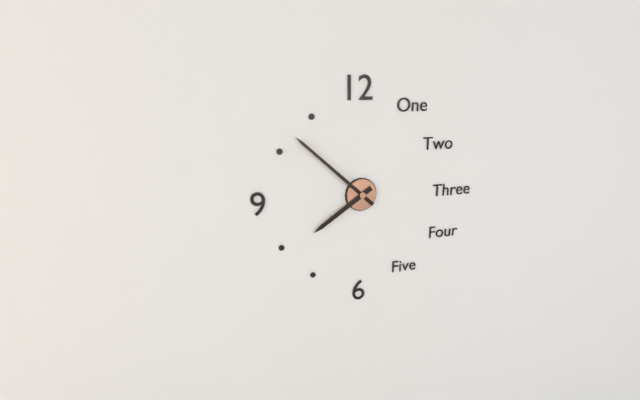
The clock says **7:52**
